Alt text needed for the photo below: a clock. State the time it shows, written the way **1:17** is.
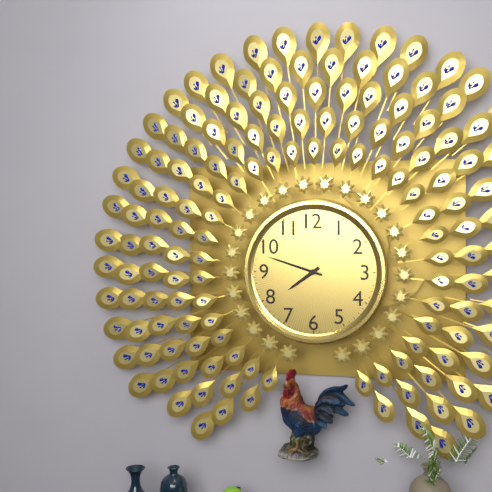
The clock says **7:48**
